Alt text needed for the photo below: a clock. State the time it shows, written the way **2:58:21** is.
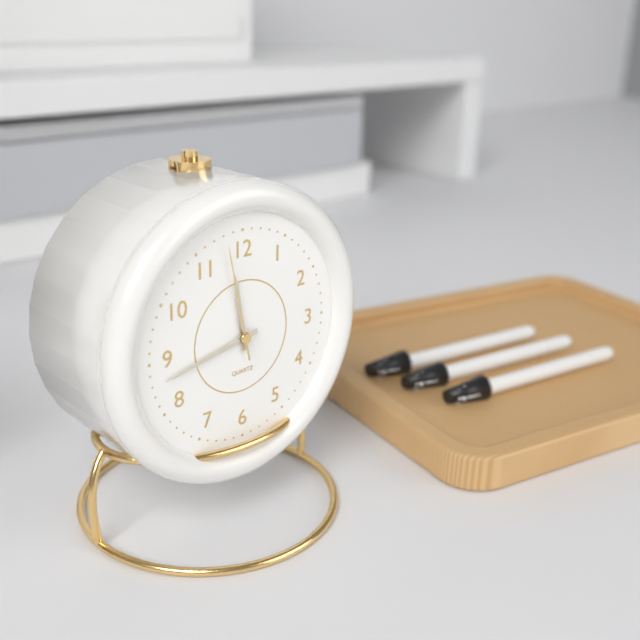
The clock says **11:43:58**
